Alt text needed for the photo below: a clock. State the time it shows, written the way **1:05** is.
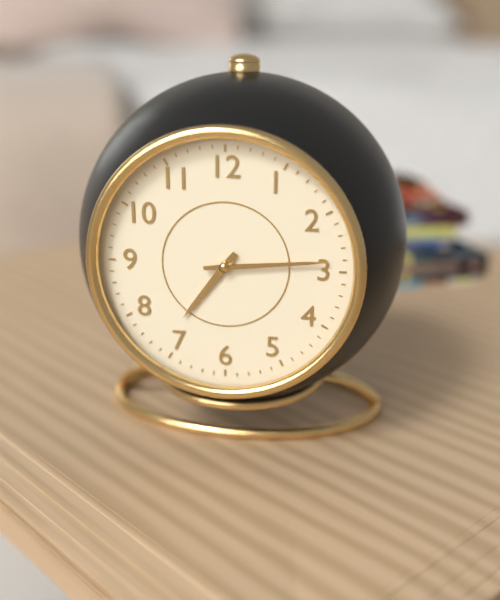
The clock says **7:14**
